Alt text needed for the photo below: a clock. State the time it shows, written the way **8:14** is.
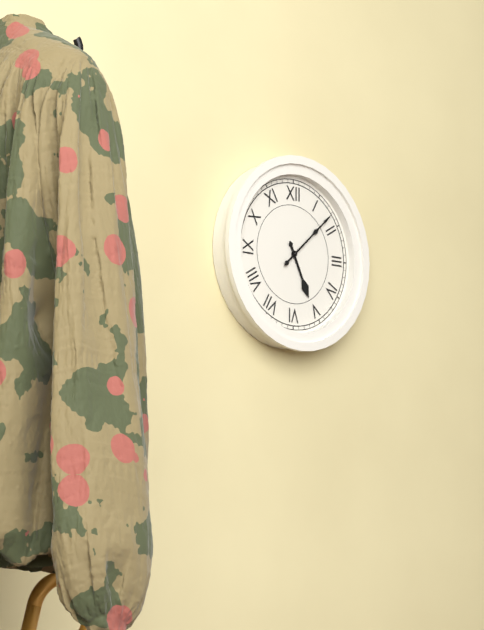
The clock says **5:08**
